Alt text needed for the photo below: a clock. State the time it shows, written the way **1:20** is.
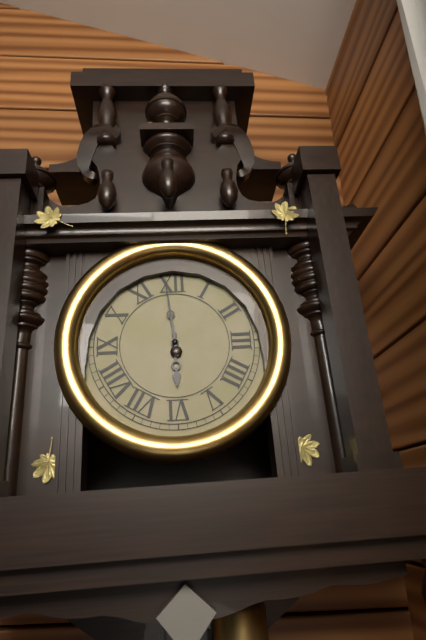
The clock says **5:59**
